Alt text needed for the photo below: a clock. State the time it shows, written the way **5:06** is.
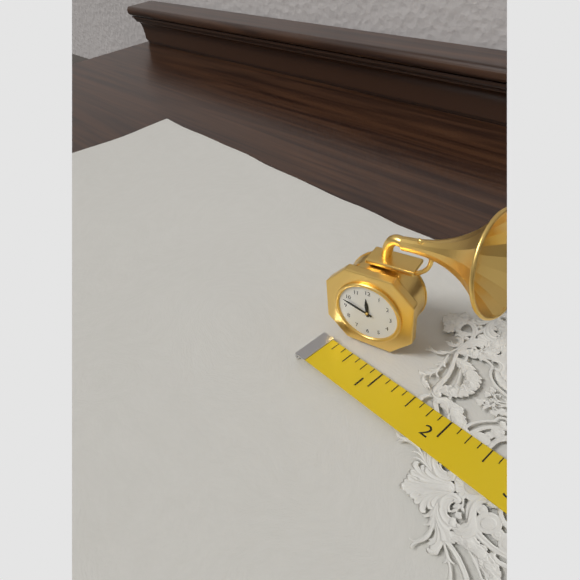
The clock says **11:48**
